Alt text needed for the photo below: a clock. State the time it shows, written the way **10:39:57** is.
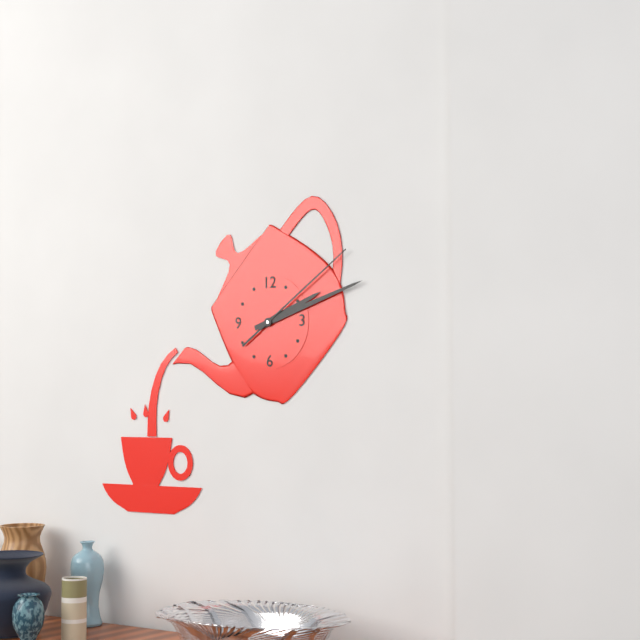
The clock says **2:12:09**
